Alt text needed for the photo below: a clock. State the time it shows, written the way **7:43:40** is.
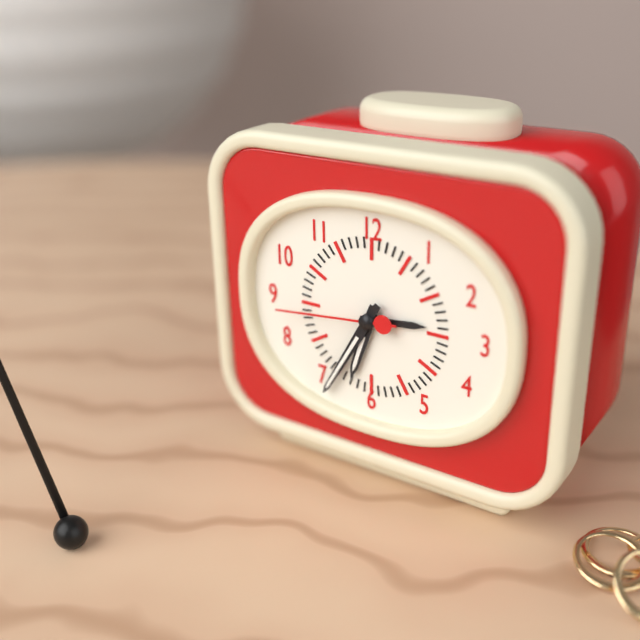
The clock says **6:35:44**
